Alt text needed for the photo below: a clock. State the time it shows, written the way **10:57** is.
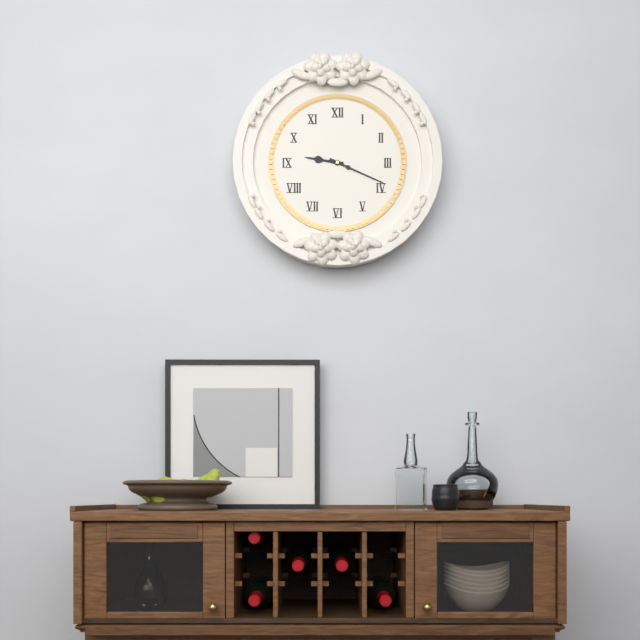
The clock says **9:19**
